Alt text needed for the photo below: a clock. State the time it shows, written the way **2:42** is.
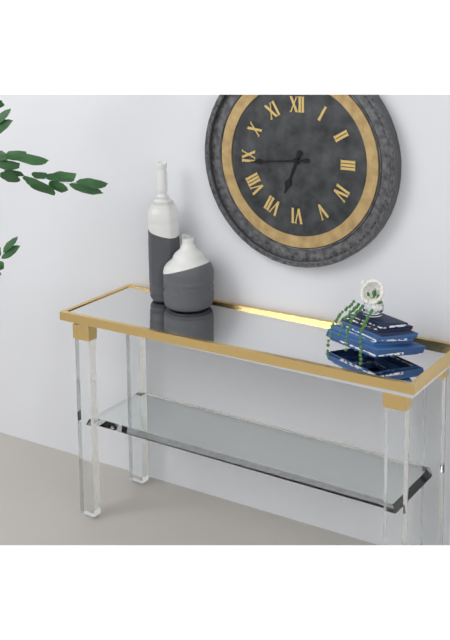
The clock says **6:44**
